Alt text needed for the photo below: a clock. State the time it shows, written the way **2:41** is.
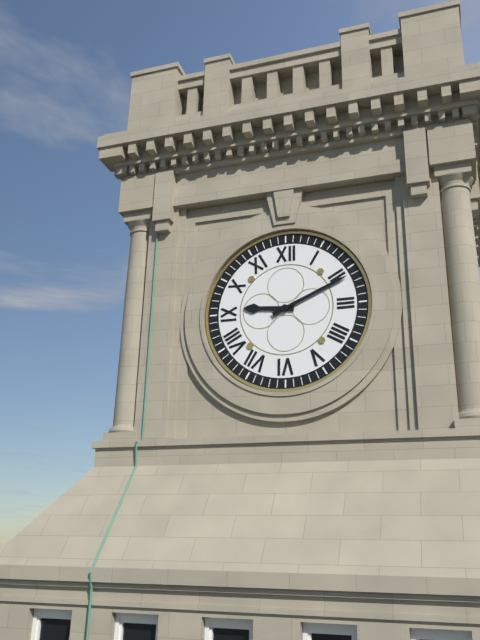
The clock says **9:11**
